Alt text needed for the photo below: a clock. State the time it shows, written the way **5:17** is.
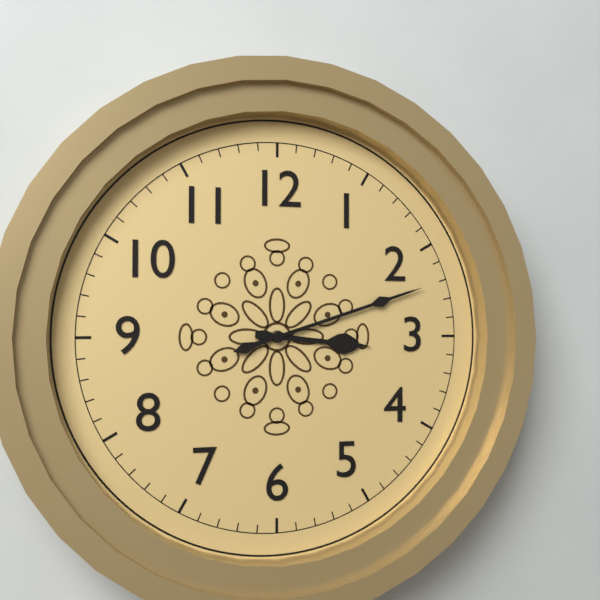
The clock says **3:12**
